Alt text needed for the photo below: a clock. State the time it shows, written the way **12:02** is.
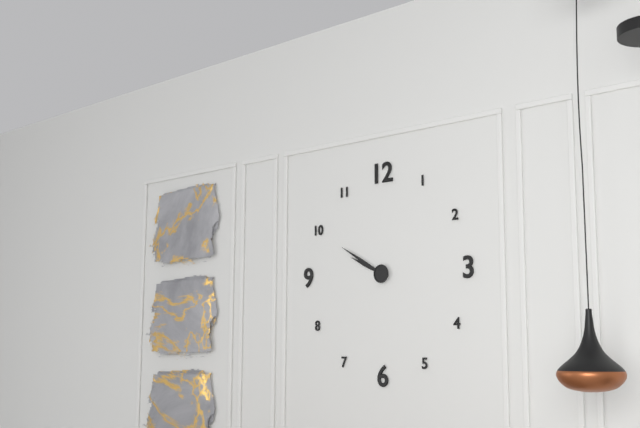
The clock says **9:50**
